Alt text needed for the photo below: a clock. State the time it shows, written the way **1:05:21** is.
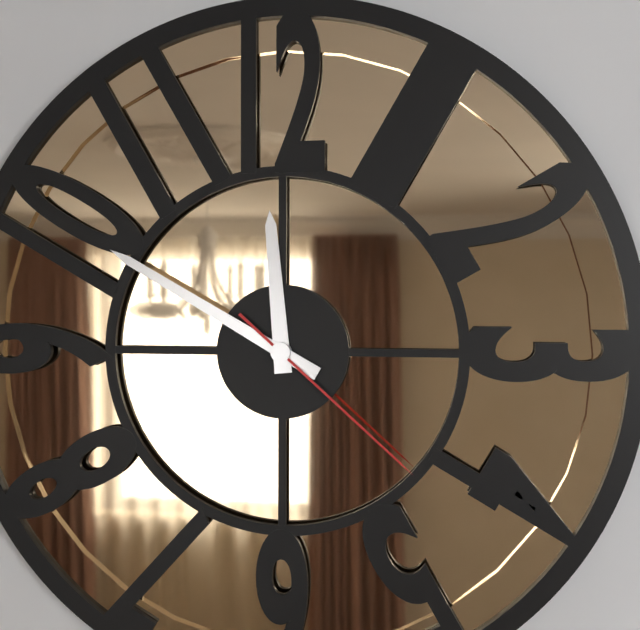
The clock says **11:50:22**
